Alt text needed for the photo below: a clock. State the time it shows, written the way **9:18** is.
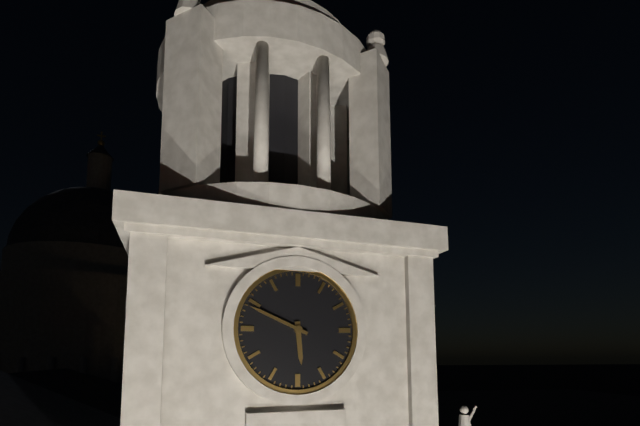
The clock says **5:49**
